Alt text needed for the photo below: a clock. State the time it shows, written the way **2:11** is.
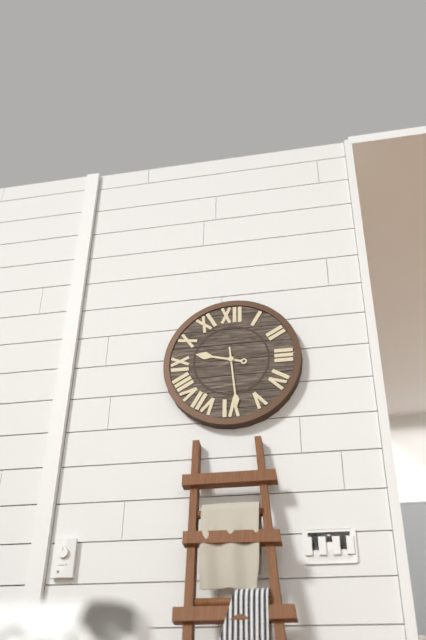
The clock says **9:29**
